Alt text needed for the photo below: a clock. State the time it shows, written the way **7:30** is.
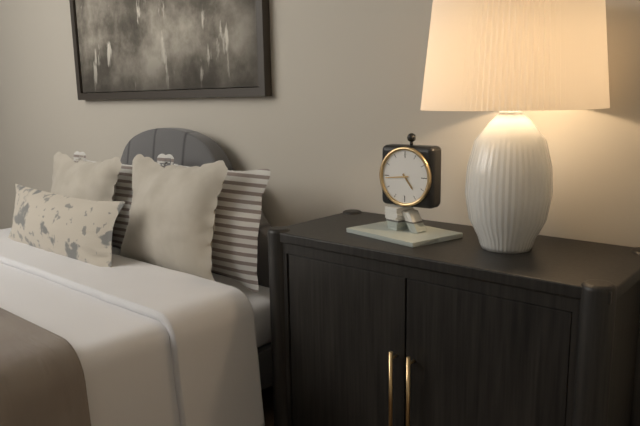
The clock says **4:44**
